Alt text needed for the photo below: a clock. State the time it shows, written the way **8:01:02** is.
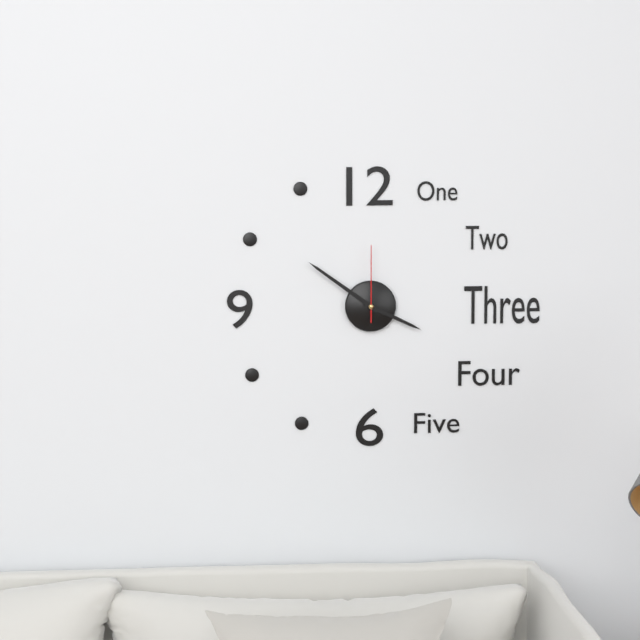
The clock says **3:51:00**
